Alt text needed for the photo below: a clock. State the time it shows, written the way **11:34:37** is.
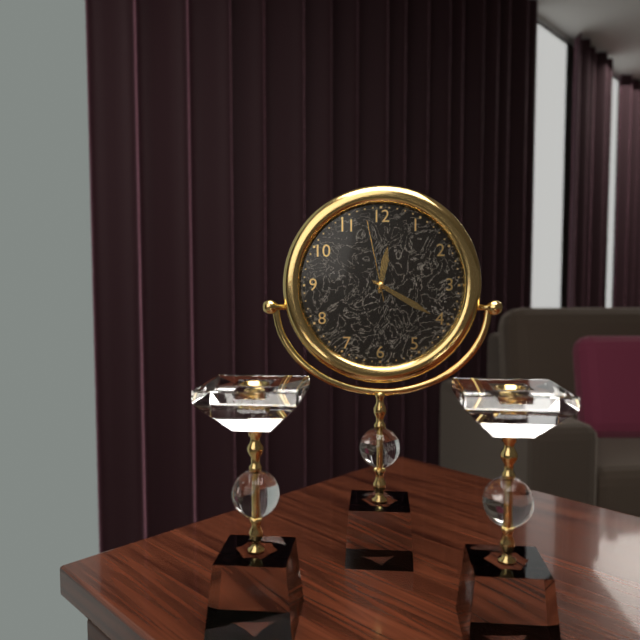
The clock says **12:20:58**
